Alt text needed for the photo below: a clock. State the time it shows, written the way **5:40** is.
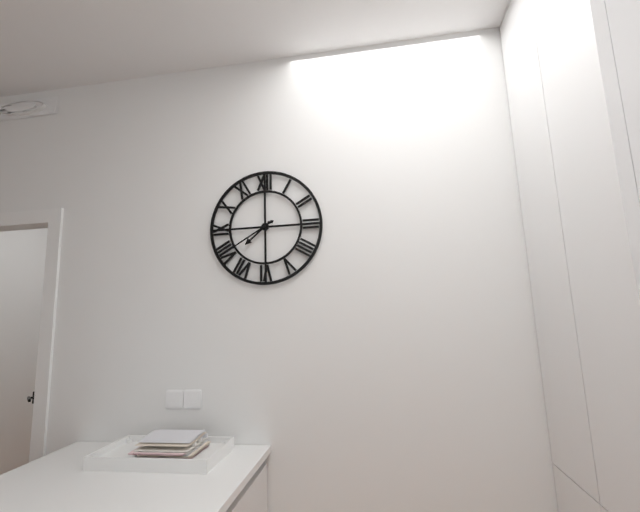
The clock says **7:40**
